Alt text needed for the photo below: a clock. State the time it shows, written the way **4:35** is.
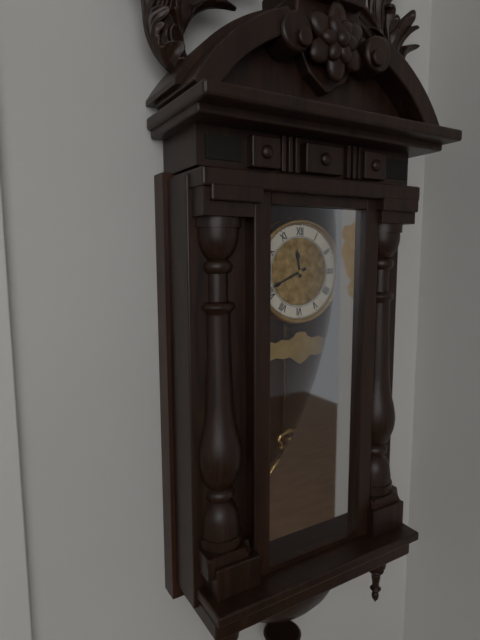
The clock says **11:41**
